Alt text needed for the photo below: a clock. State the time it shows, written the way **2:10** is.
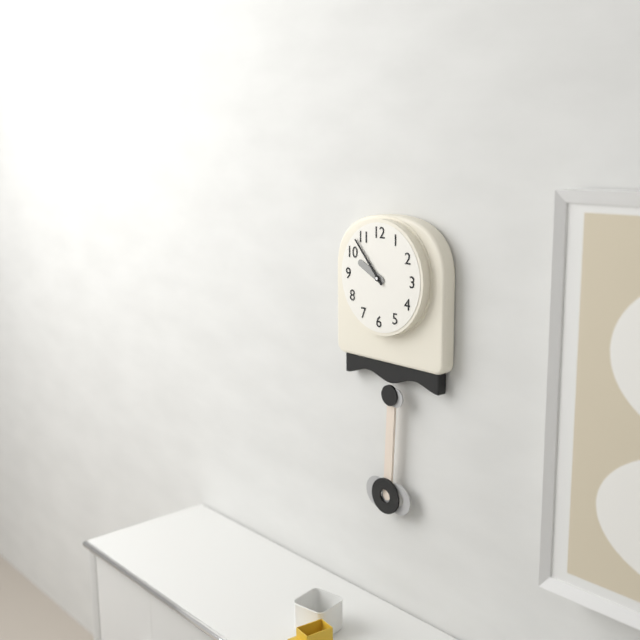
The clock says **9:53**
